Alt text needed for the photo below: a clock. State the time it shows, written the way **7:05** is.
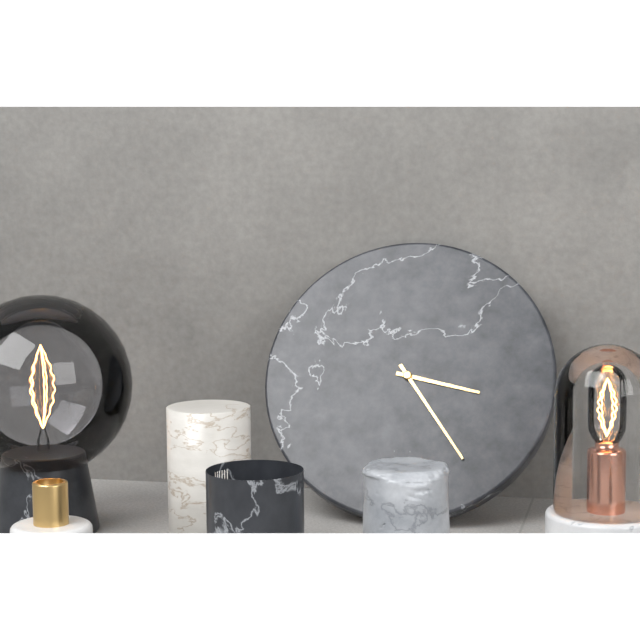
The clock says **3:24**
